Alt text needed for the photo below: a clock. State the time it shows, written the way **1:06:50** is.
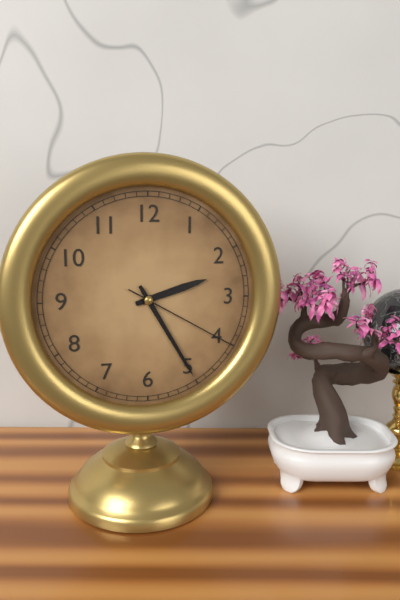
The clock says **2:25:20**
